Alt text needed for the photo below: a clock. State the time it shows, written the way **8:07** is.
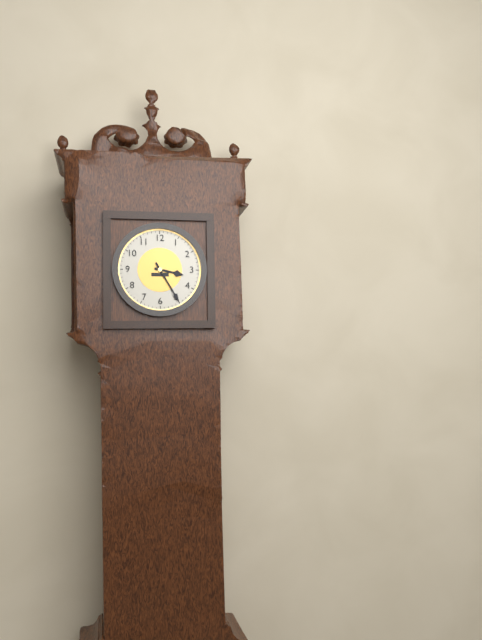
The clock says **3:25**
